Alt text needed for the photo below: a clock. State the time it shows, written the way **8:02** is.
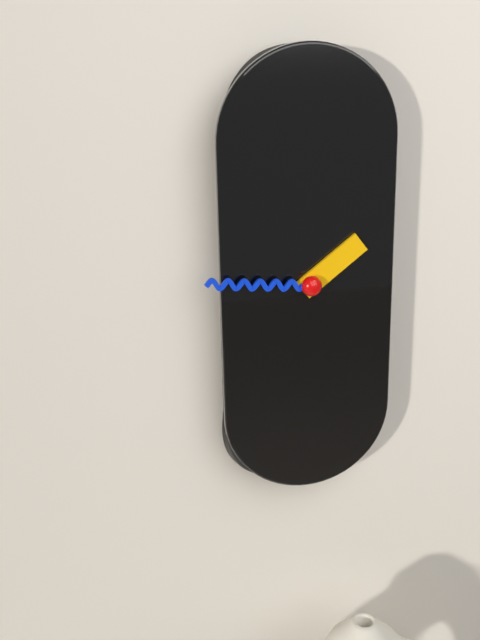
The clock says **1:46**
